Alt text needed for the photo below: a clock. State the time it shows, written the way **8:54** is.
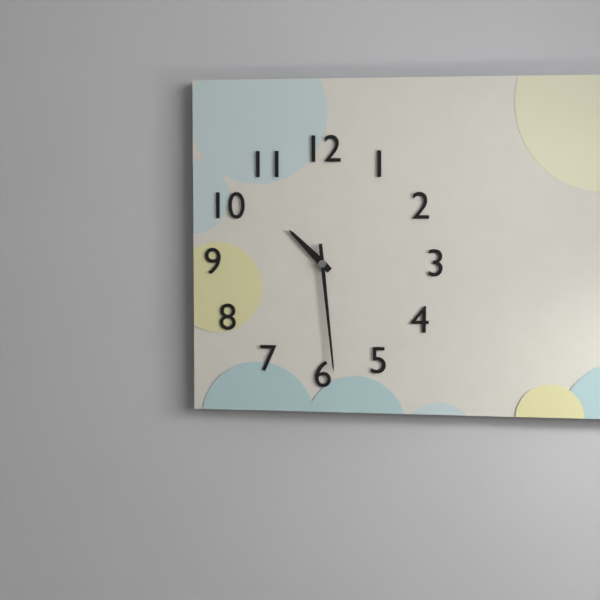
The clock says **10:29**
